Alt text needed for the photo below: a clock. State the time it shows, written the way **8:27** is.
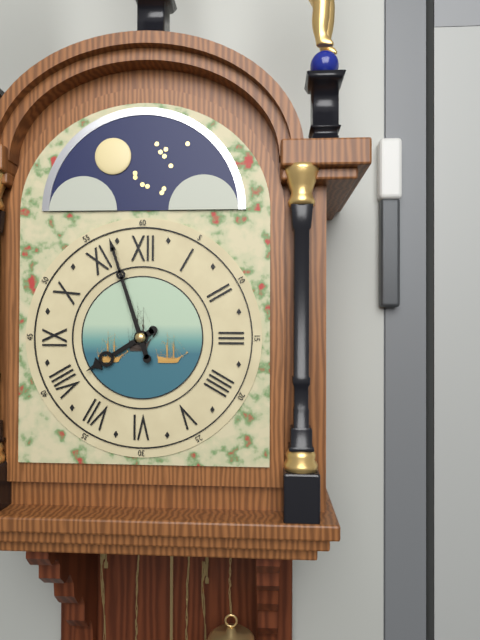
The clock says **7:57**
